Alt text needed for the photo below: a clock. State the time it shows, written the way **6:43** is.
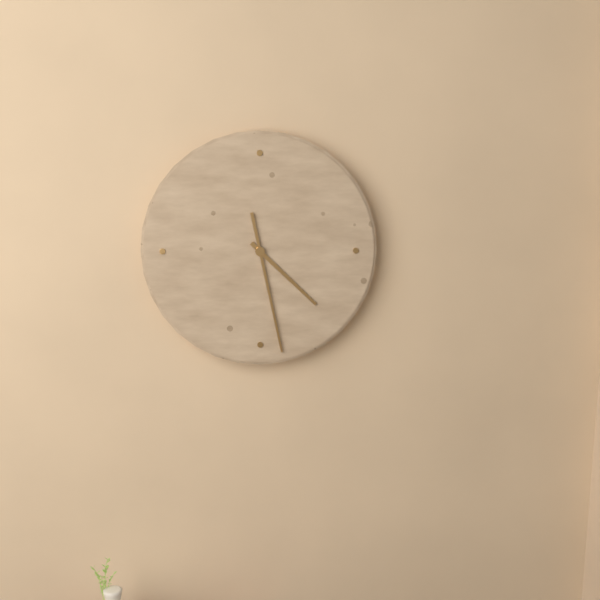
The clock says **4:28**
